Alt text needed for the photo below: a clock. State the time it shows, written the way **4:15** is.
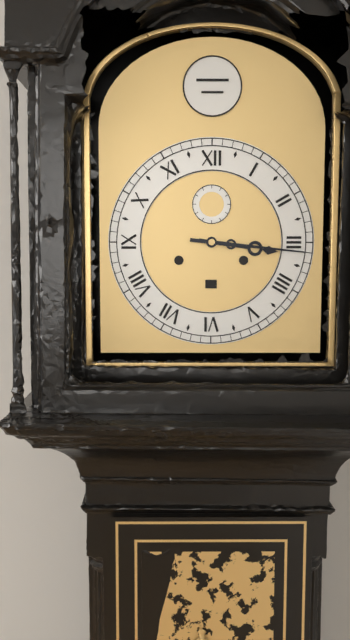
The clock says **3:16**
